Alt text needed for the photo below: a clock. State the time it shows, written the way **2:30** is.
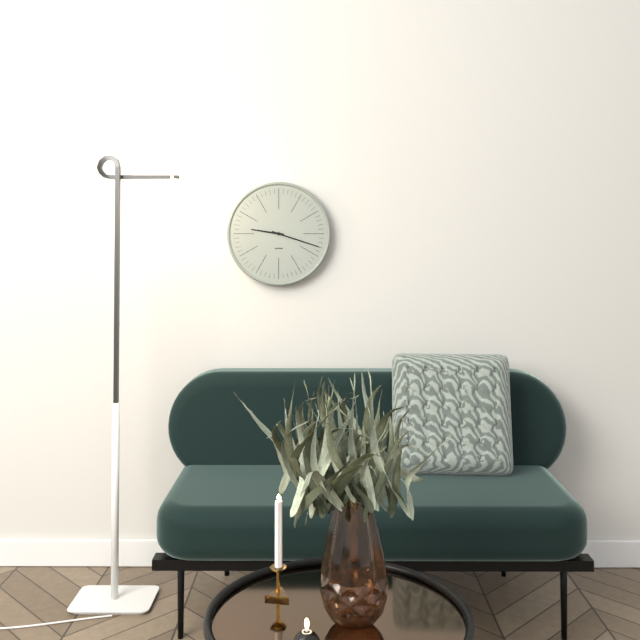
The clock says **9:18**
